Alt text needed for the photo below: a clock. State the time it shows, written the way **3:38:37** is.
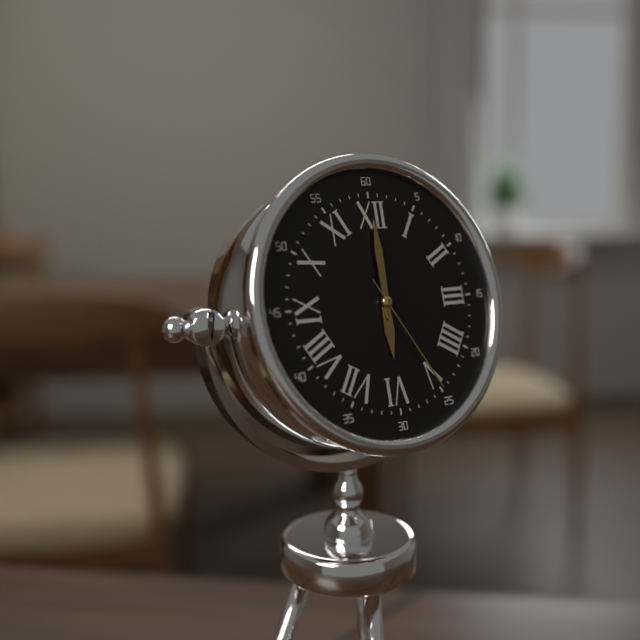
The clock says **6:00:25**
